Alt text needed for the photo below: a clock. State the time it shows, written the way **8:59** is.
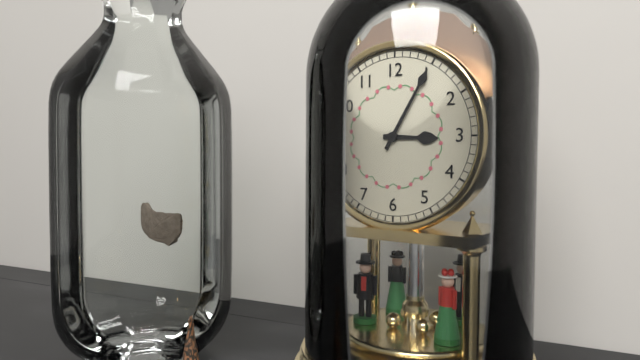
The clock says **3:05**
